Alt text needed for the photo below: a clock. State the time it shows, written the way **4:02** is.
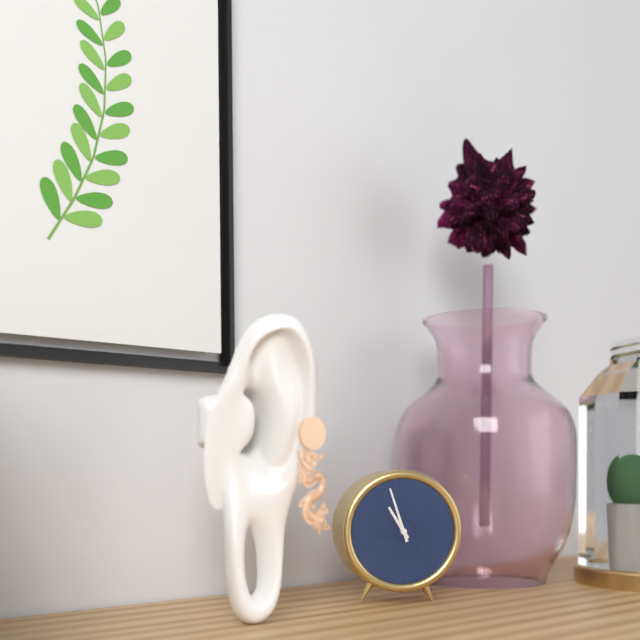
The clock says **10:57**
